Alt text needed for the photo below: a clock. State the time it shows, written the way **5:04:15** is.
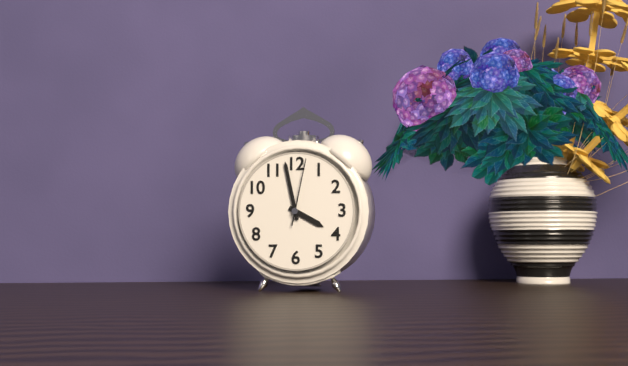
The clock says **3:58:02**
